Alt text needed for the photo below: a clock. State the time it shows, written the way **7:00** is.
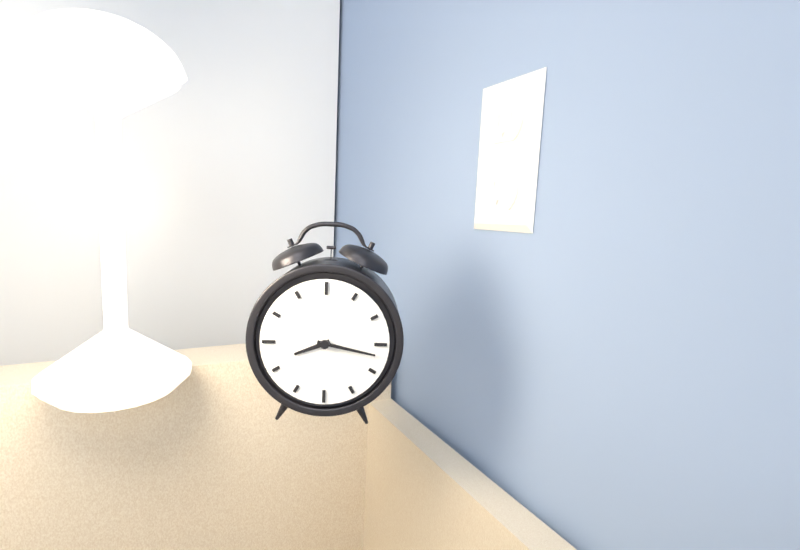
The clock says **8:17**
